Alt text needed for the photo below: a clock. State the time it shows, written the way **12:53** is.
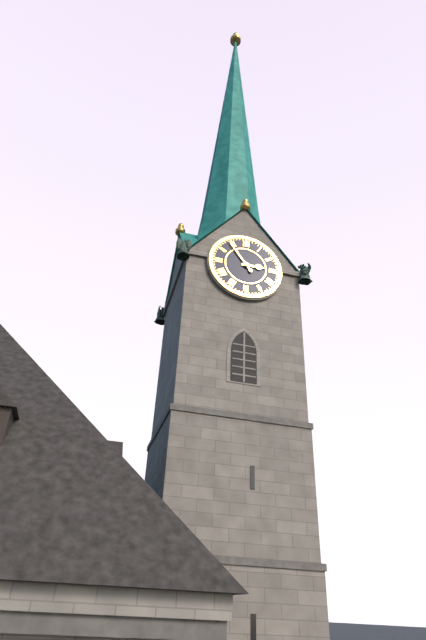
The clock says **2:54**
